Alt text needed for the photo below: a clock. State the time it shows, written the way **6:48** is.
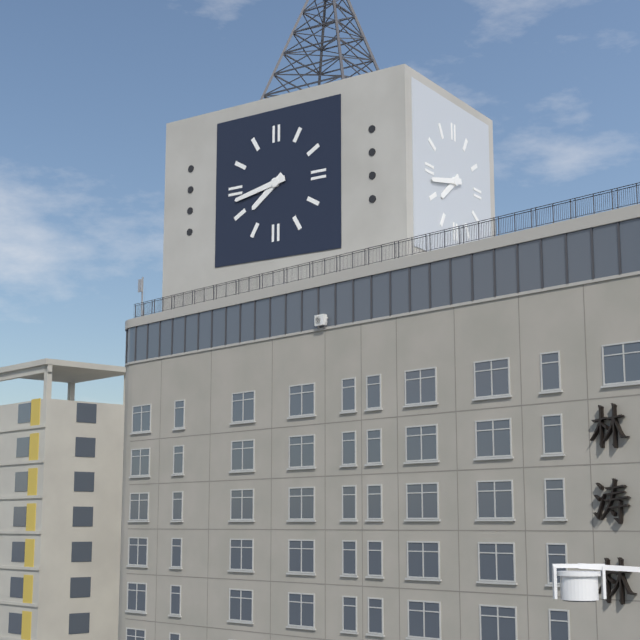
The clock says **7:43**
